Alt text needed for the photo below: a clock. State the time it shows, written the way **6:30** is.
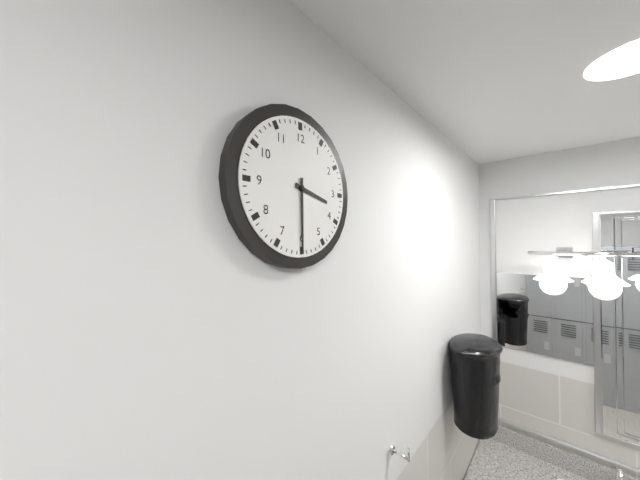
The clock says **3:30**
